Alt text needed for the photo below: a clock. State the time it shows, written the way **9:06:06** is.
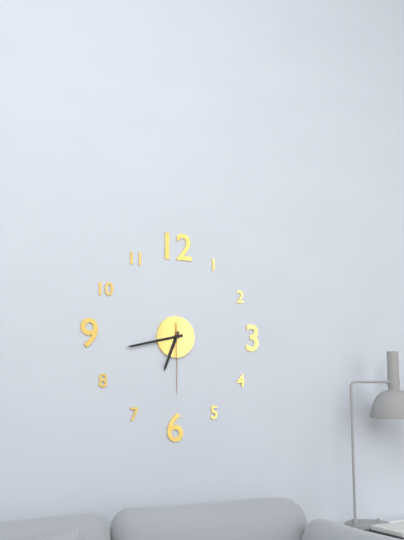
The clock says **6:43:30**
